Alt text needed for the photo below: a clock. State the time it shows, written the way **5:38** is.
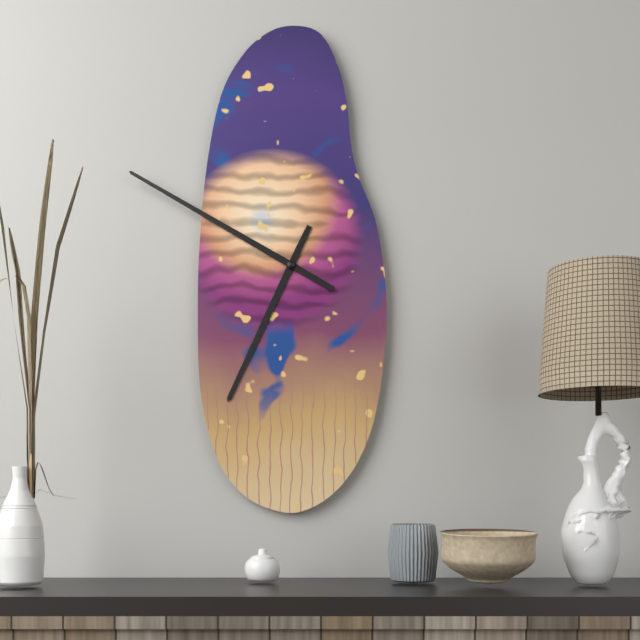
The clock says **6:50**
